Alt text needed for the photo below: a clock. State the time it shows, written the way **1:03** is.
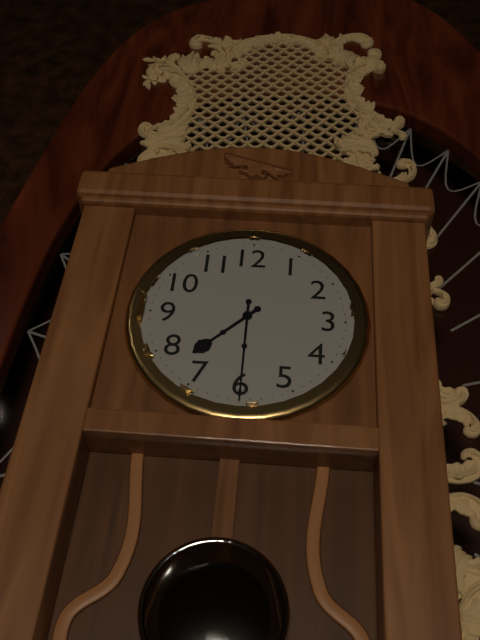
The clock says **7:30**
